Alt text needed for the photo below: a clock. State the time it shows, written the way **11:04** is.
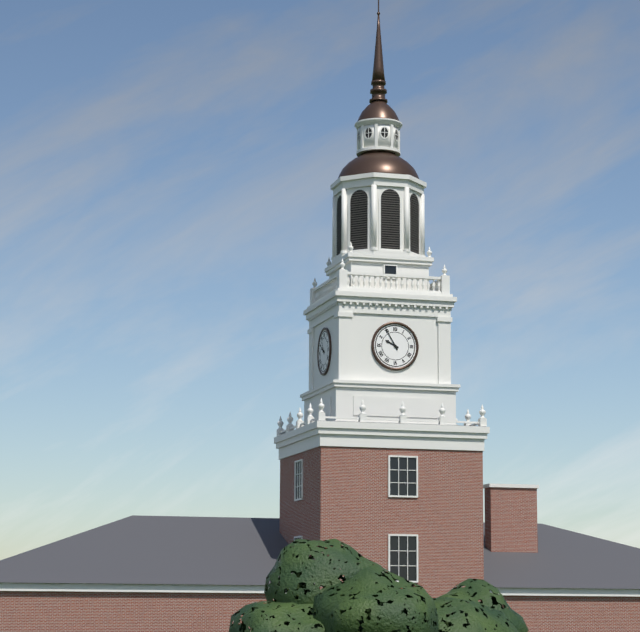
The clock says **9:55**
